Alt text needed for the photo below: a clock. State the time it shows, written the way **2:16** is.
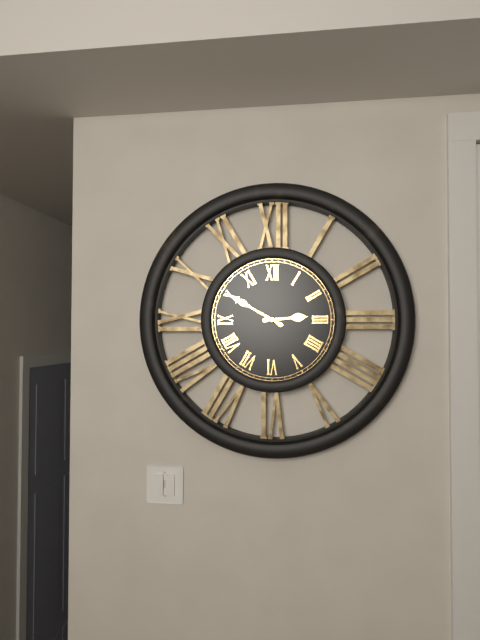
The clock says **2:50**
